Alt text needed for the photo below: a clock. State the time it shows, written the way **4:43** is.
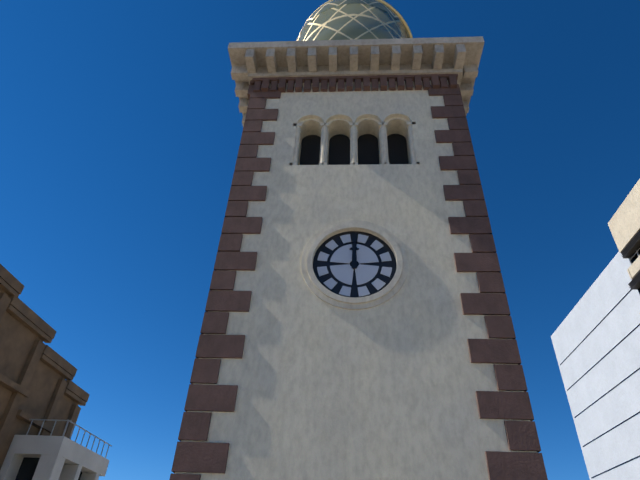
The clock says **12:00**
